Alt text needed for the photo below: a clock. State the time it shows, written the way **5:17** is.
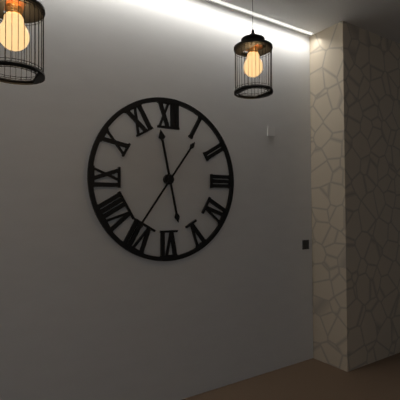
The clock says **11:36**
